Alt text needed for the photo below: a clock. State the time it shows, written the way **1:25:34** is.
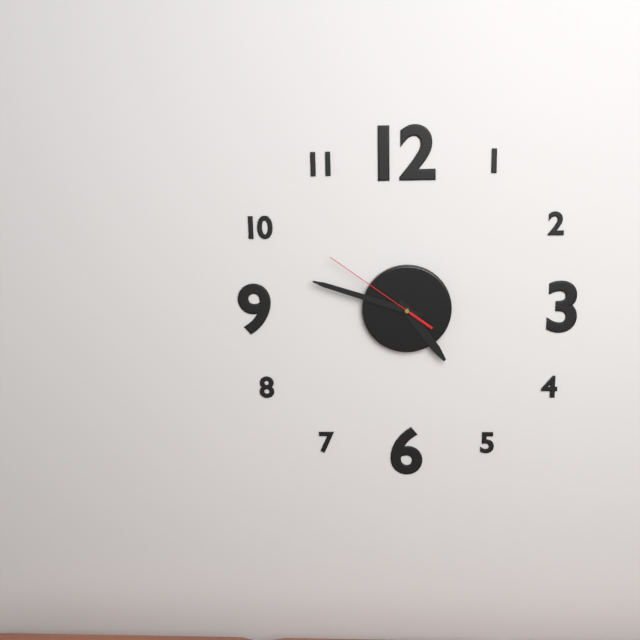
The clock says **4:48:51**
